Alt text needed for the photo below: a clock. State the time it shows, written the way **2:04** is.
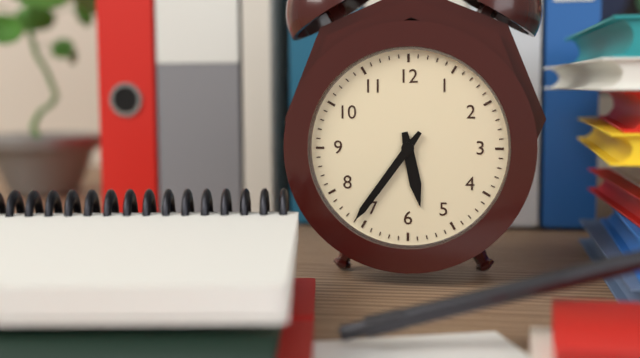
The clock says **5:36**
